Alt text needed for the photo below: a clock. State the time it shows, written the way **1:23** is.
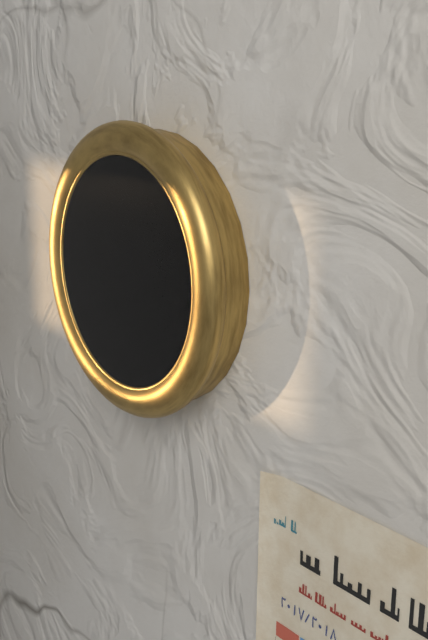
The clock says **5:12**
